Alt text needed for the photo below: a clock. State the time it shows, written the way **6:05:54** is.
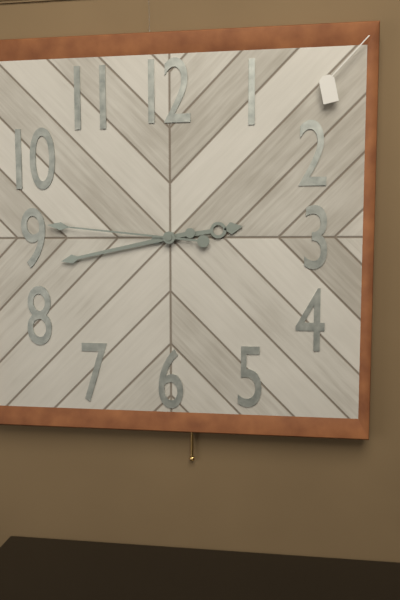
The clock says **2:43:46**
